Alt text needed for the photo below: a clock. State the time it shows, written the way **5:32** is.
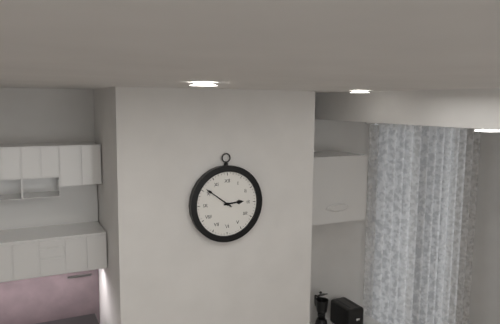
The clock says **2:51**
